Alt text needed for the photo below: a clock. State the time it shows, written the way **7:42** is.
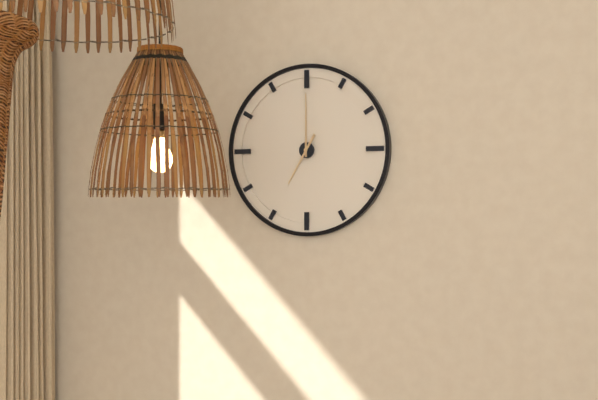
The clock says **7:00**
